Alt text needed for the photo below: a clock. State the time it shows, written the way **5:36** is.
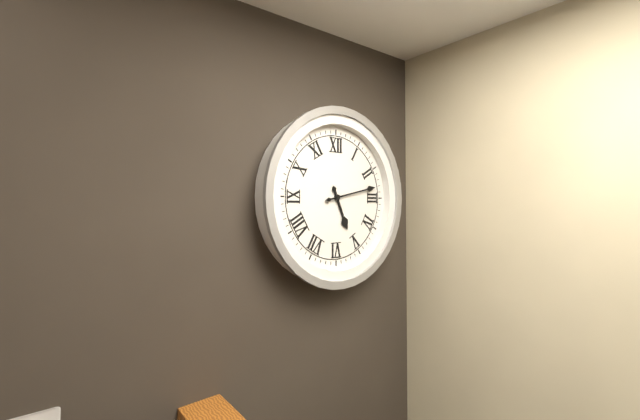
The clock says **5:13**
